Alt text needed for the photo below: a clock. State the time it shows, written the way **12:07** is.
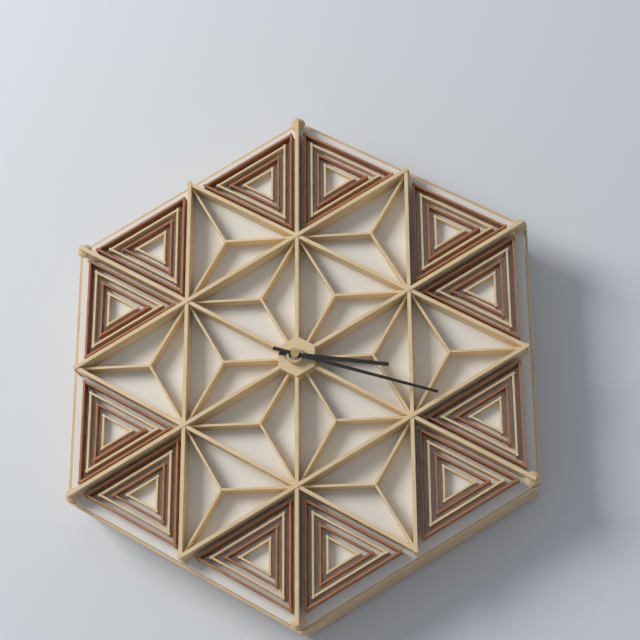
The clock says **3:18**
